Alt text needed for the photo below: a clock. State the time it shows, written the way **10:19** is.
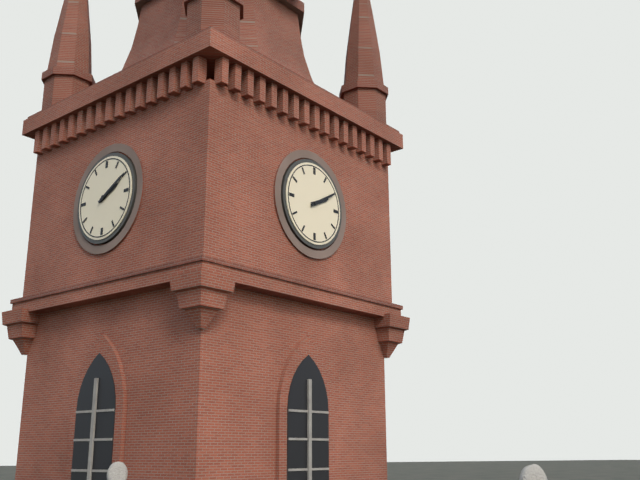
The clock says **2:10**
